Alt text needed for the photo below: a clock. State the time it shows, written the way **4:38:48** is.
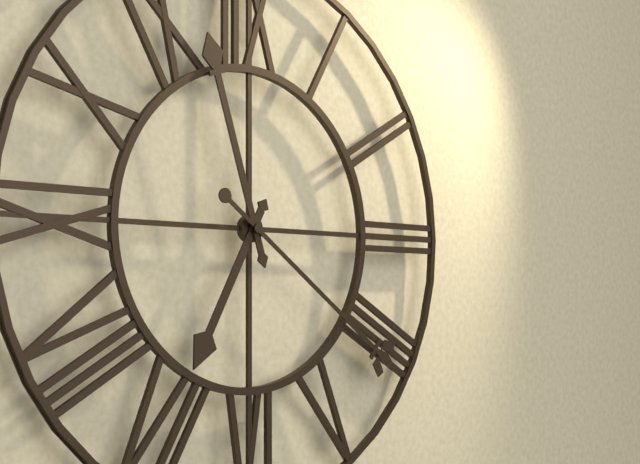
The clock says **6:57:21**
